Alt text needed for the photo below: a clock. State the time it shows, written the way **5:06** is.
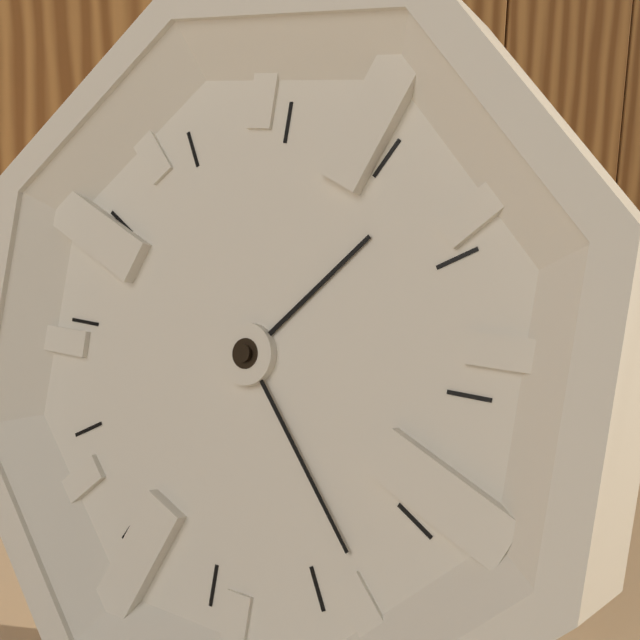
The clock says **1:23**
